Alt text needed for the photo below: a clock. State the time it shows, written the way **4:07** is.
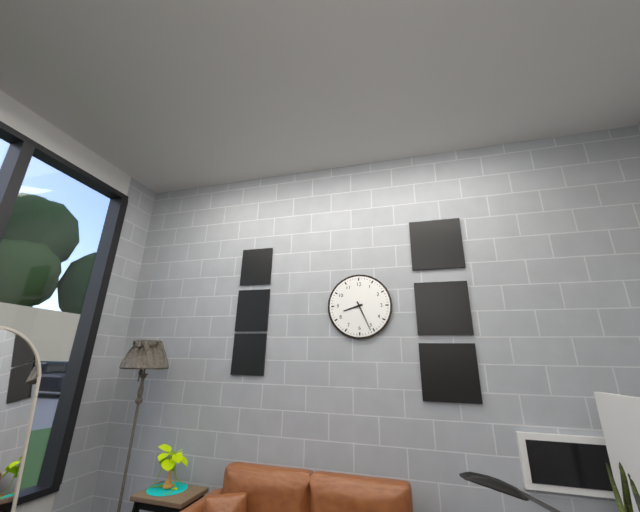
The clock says **8:26**
